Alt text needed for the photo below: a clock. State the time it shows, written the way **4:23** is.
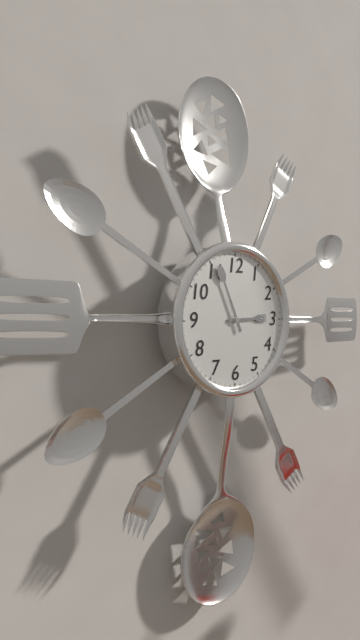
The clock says **2:56**
